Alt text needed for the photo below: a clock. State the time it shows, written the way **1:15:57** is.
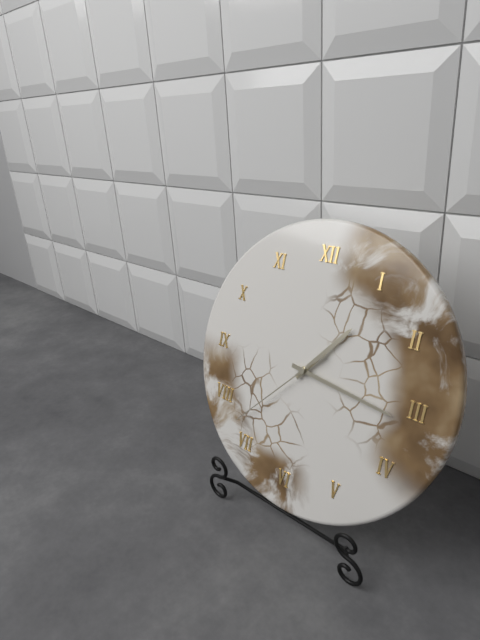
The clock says **1:16:37**
